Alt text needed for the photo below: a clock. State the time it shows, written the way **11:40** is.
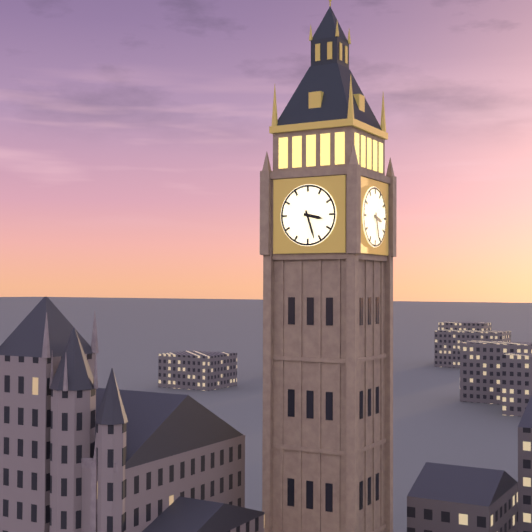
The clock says **3:27**
